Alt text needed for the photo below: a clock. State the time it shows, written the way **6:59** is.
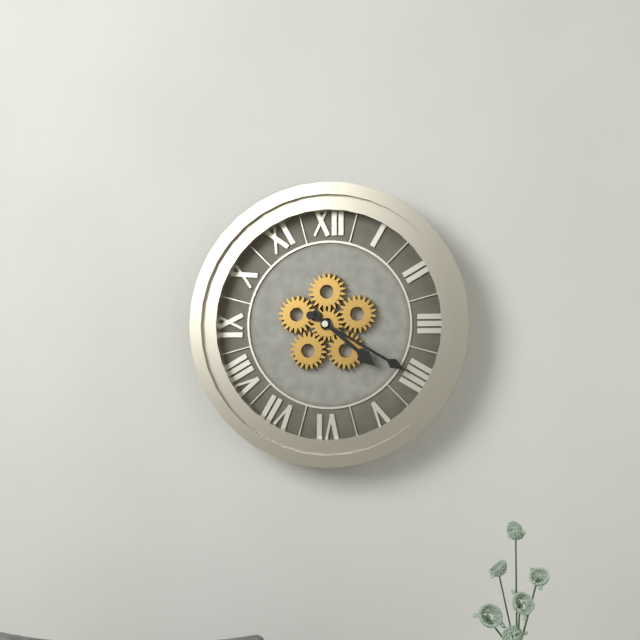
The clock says **4:20**
